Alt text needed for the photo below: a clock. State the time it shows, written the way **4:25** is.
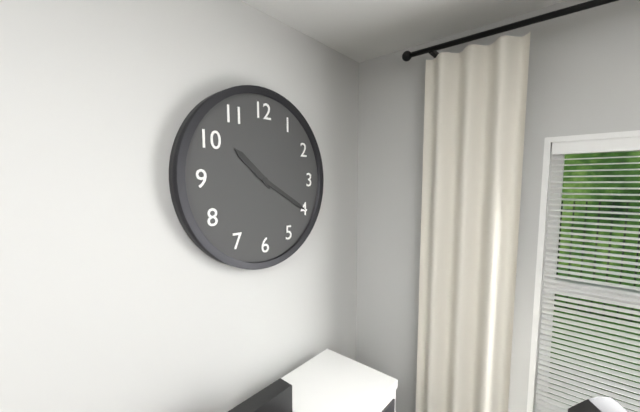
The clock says **10:20**
